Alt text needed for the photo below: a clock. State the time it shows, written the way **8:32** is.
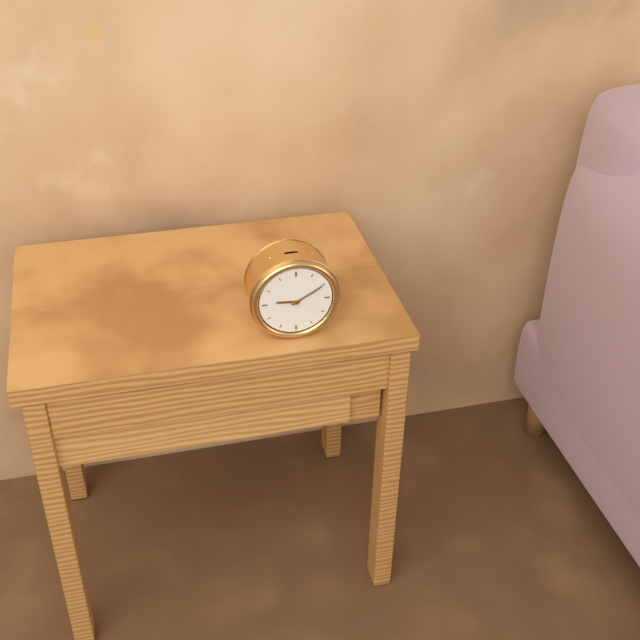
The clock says **9:10**
